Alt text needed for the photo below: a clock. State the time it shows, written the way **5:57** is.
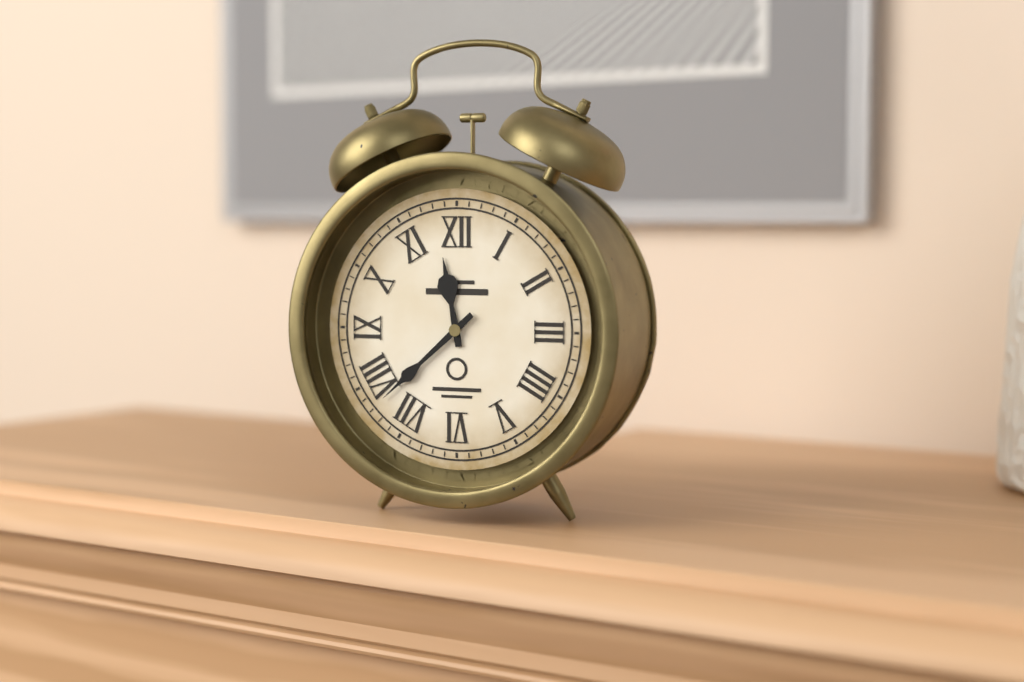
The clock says **11:38**
